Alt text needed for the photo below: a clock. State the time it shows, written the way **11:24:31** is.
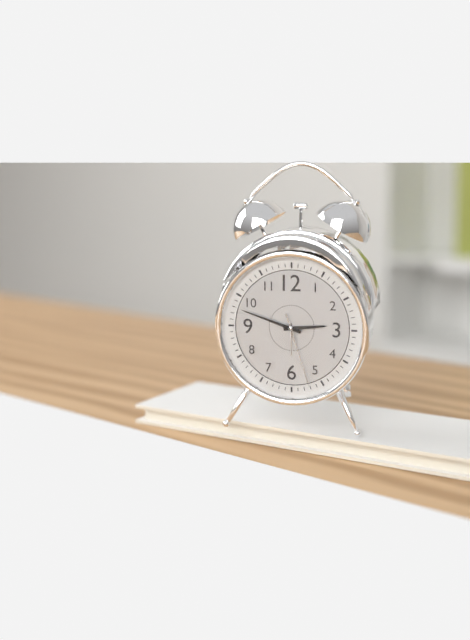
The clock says **2:48:27**
